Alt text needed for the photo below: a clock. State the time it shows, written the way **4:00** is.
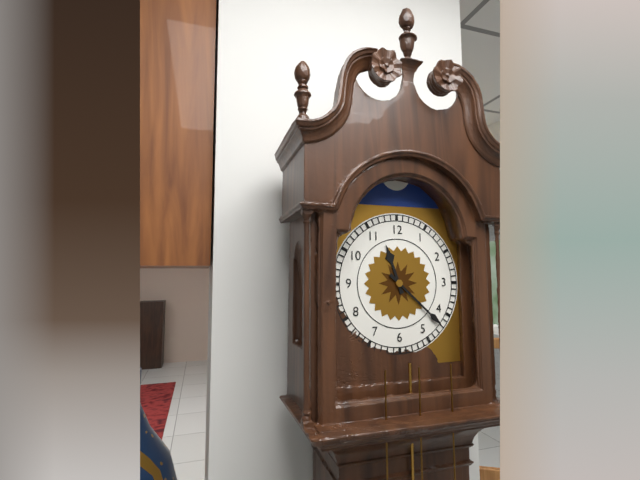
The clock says **11:22**
